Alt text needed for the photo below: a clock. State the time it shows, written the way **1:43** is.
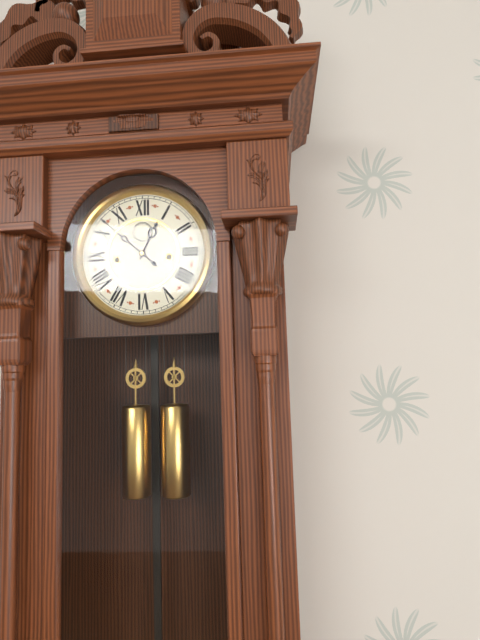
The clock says **12:52**
